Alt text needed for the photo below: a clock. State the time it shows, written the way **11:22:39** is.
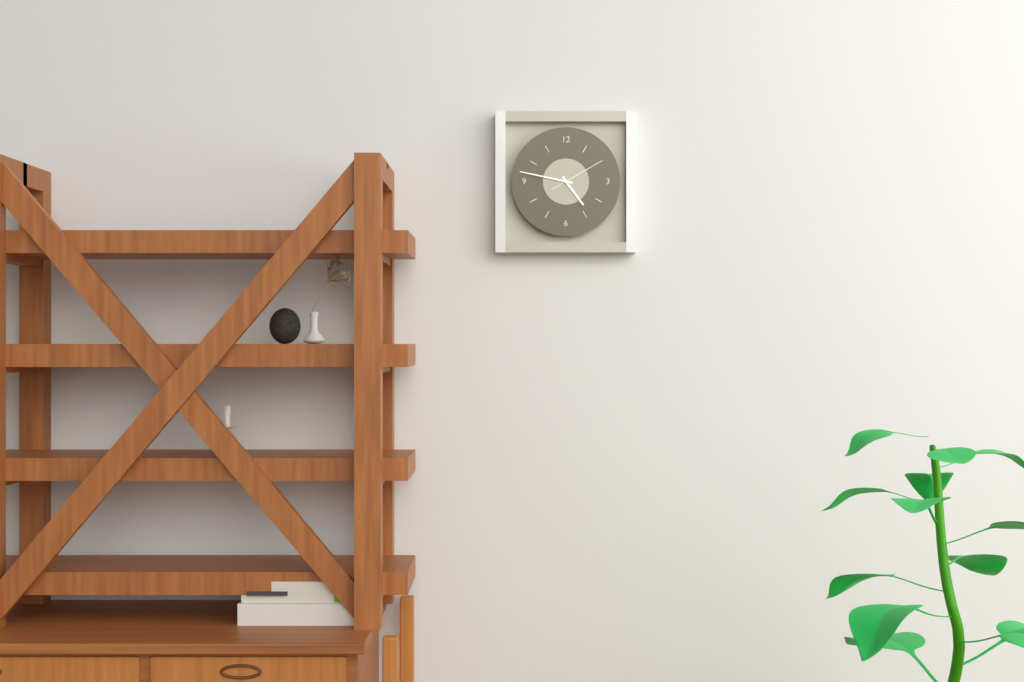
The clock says **4:47:10**
